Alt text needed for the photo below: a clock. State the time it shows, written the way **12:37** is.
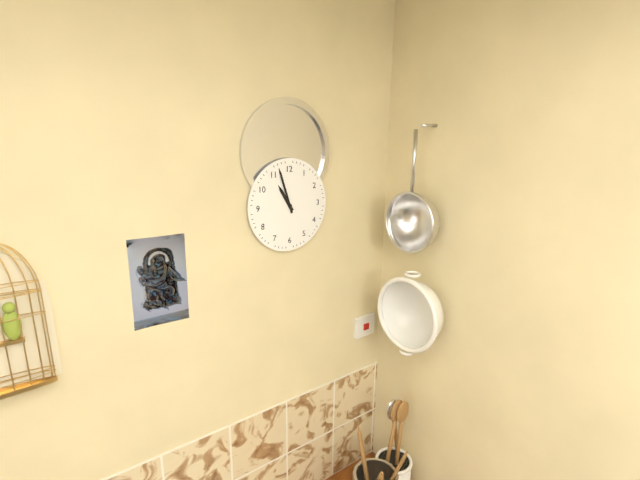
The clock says **10:57**
